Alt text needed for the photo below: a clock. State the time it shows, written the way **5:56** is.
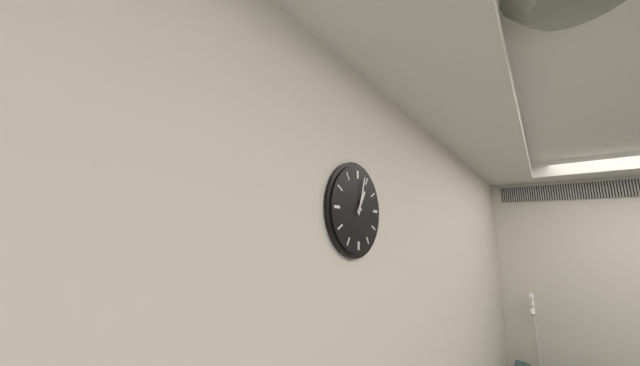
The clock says **1:03**
